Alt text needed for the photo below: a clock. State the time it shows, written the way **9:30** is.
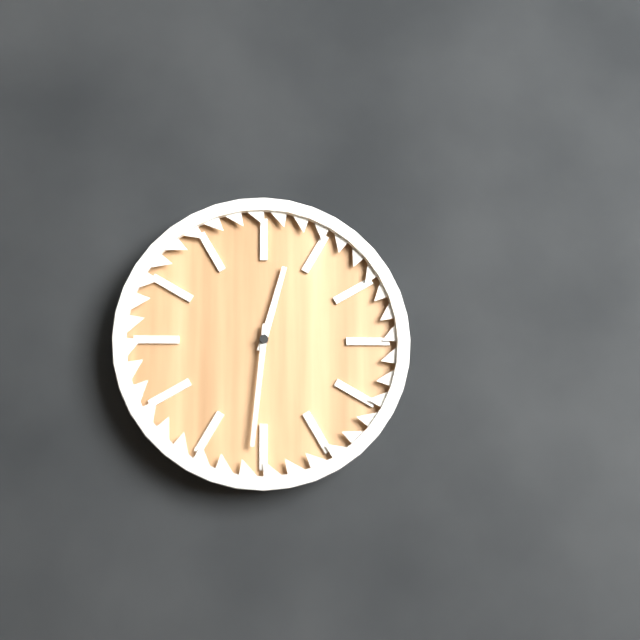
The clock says **12:31**
